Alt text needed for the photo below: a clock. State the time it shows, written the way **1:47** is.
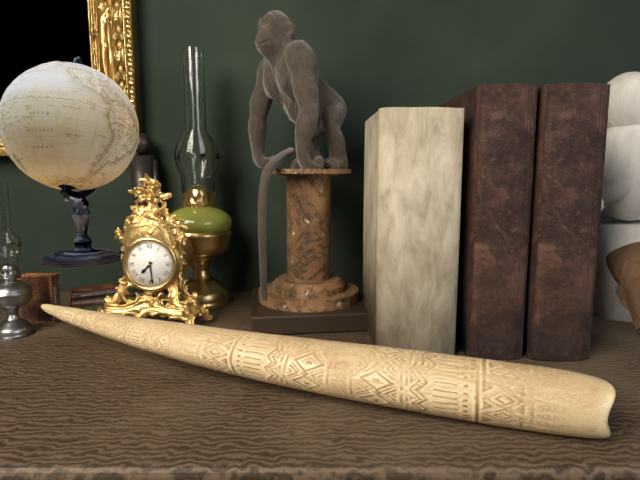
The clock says **7:29**
